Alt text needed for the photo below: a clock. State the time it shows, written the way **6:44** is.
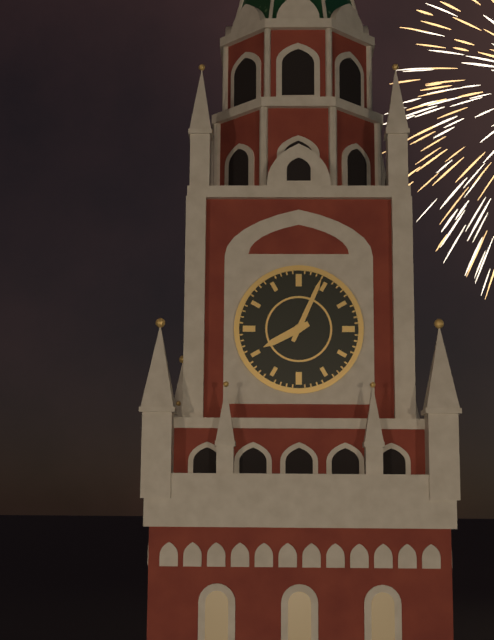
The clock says **8:04**
